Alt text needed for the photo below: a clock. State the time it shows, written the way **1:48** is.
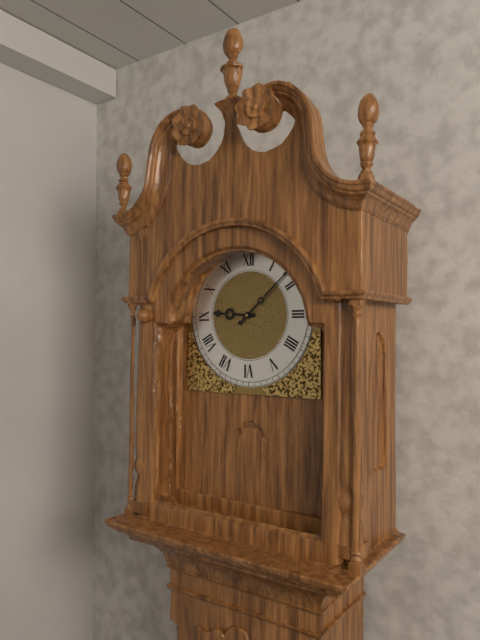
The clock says **9:08**
